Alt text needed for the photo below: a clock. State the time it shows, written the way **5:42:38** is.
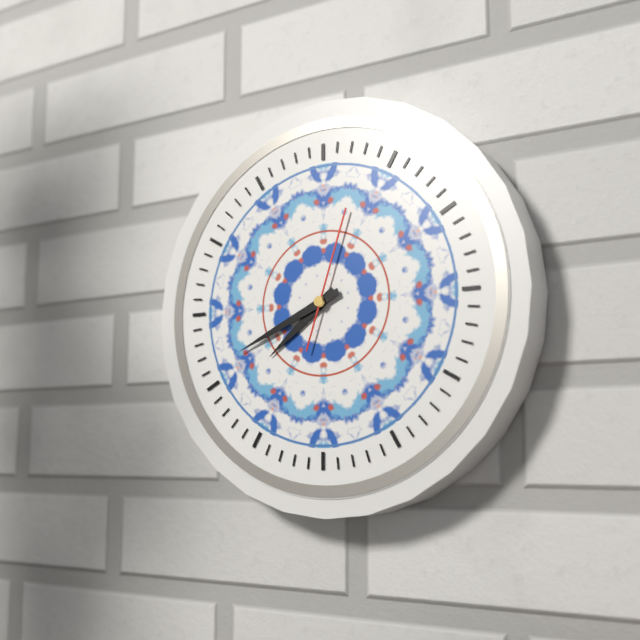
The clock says **7:41:03**
